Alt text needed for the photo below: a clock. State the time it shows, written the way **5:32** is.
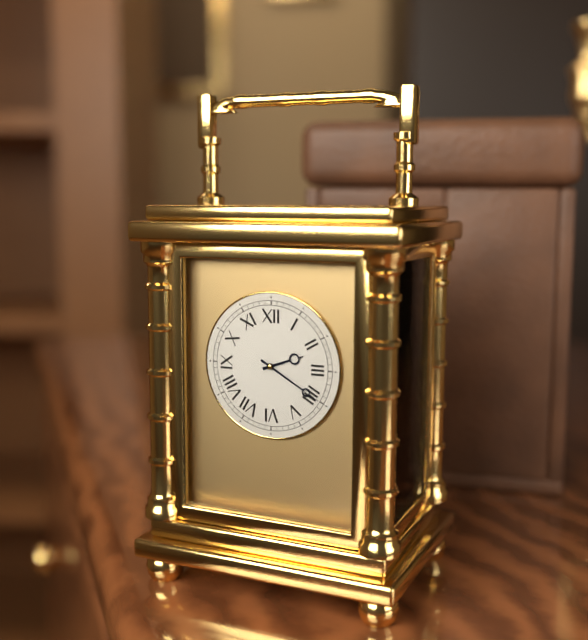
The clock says **2:20**
